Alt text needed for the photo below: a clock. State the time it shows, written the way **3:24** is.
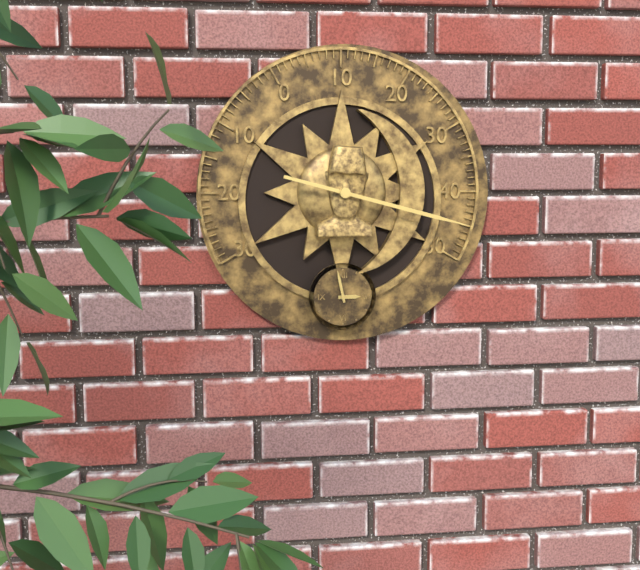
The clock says **2:58**
